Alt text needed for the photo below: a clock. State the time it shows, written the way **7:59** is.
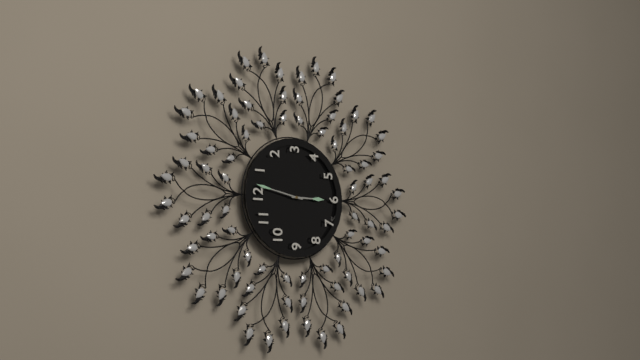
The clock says **6:02**
